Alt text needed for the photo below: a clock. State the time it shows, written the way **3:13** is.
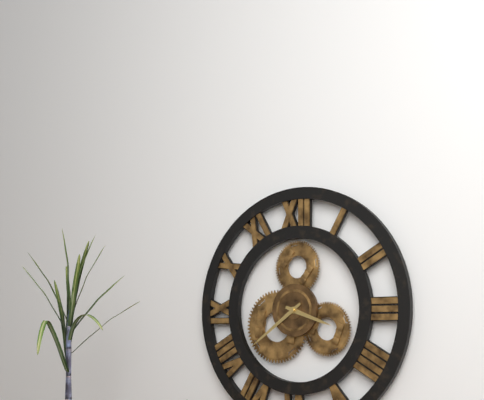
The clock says **3:39**
